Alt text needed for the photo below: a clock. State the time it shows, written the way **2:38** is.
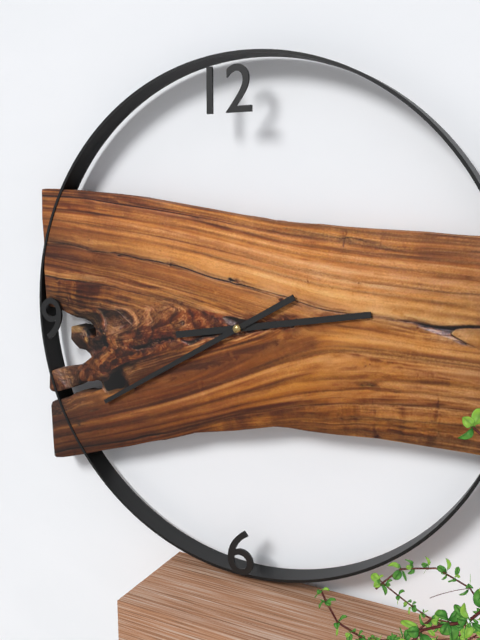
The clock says **2:40**
